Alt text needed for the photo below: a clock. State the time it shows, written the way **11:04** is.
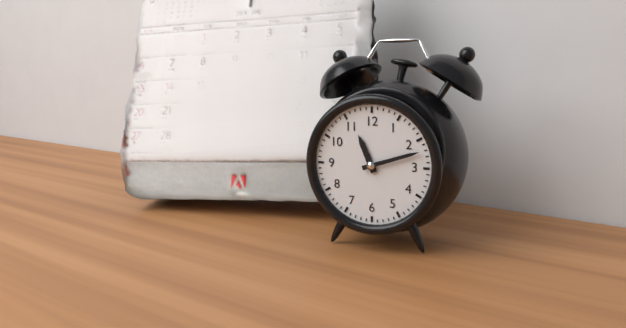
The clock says **11:12**
